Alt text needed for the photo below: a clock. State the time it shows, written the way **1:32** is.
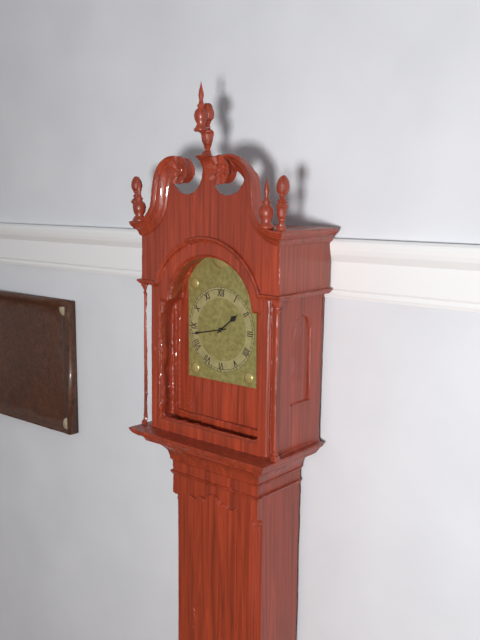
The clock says **1:43**
